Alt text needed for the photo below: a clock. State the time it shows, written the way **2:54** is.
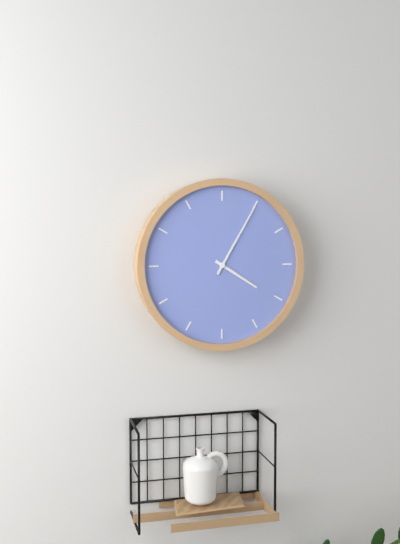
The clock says **4:05**
